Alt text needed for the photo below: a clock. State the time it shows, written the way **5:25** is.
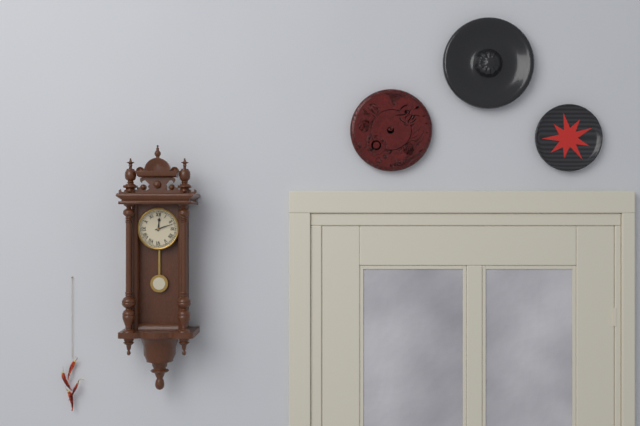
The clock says **12:12**
